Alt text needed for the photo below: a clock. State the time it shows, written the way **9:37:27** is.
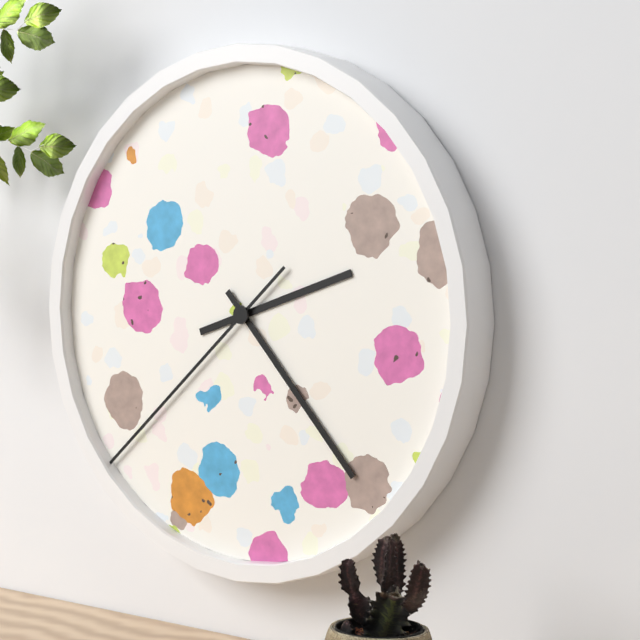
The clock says **2:23:38**
